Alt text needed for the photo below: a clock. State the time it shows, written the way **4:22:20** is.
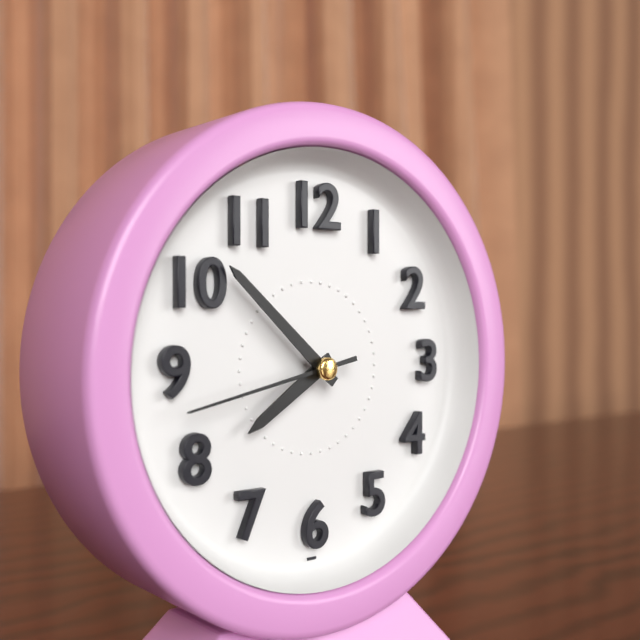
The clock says **7:52:43**
